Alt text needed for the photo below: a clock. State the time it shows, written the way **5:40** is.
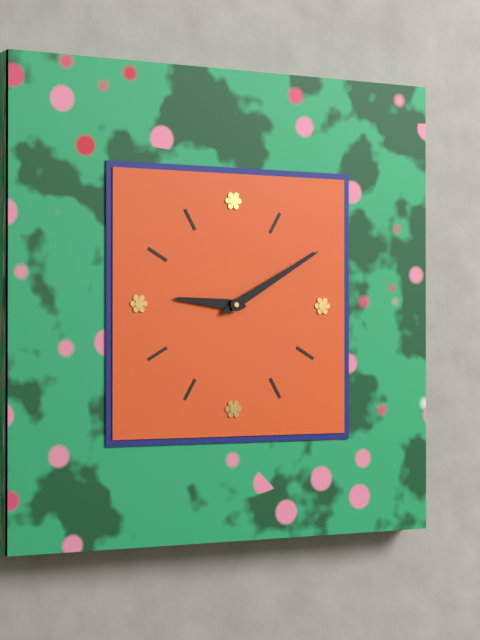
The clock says **9:10**
